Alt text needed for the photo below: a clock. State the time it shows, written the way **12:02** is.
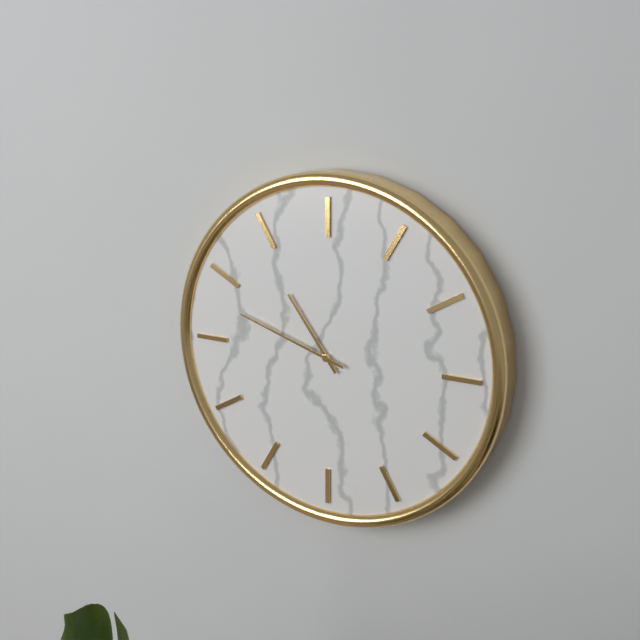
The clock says **10:48**
